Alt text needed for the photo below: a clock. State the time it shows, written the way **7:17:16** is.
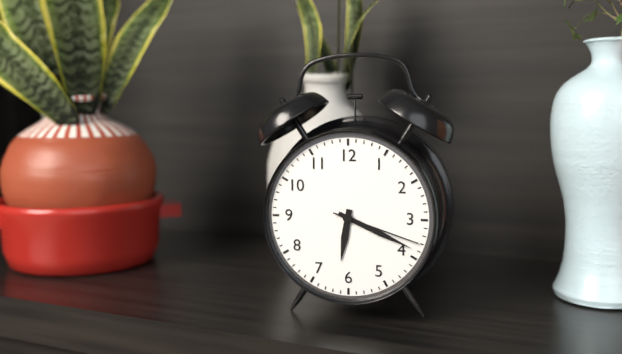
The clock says **6:19:18**
